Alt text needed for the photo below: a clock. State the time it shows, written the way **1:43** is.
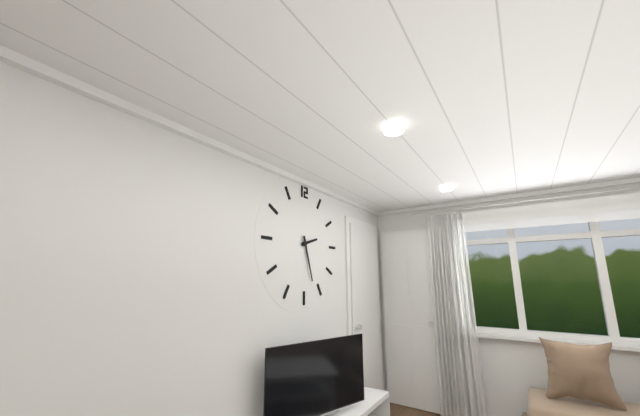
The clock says **2:27**
